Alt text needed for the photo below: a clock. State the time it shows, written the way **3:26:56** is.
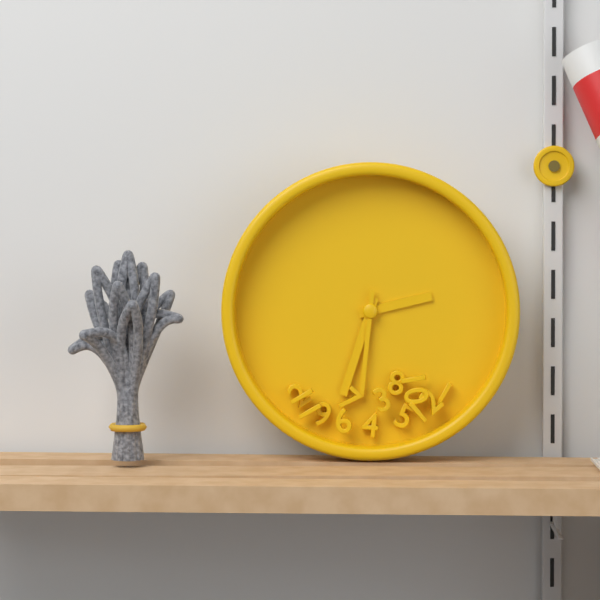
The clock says **2:33:31**
